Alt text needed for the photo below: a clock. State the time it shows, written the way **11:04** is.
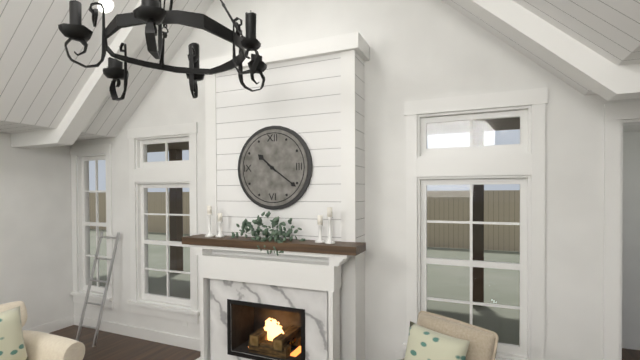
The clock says **10:21**
